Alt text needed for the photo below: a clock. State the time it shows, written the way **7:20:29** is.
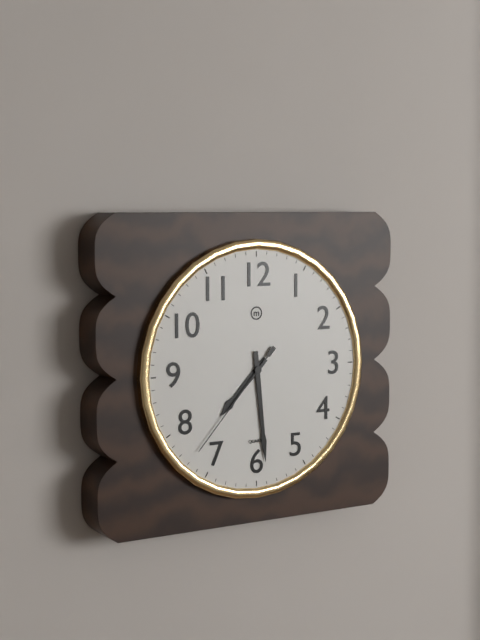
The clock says **7:29:37**
